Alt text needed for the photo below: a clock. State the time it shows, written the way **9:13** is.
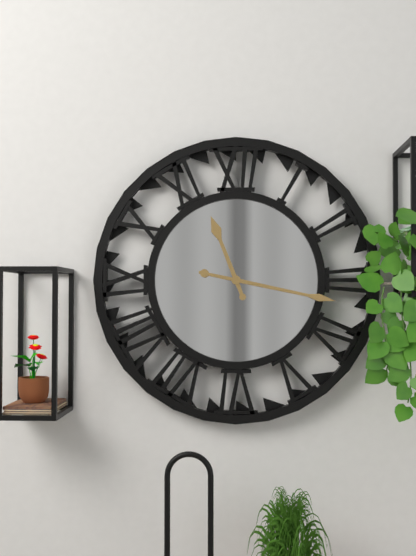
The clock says **11:17**
